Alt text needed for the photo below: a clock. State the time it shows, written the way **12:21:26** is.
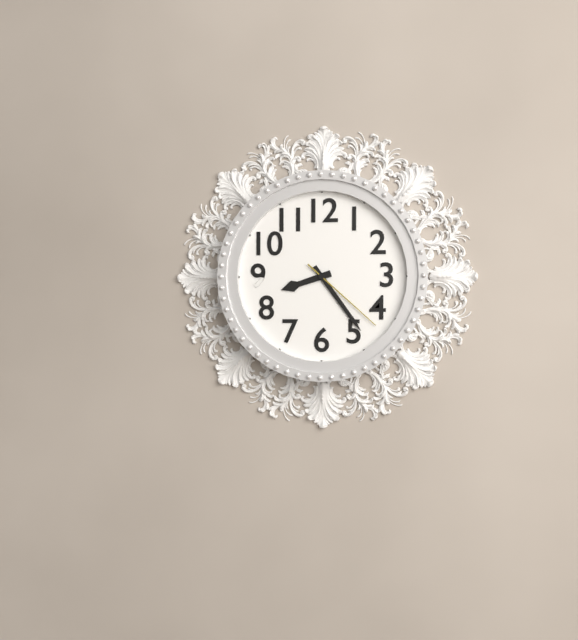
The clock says **8:24:22**
